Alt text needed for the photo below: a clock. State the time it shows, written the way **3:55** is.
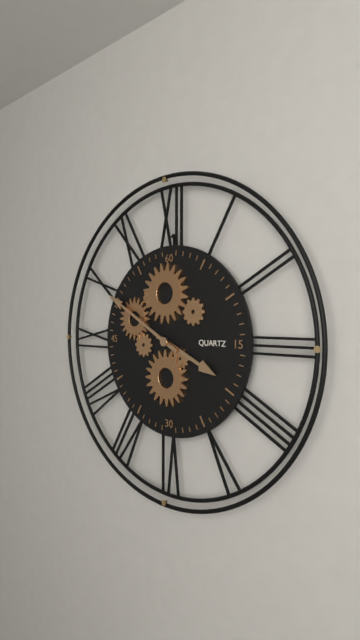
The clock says **3:50**
